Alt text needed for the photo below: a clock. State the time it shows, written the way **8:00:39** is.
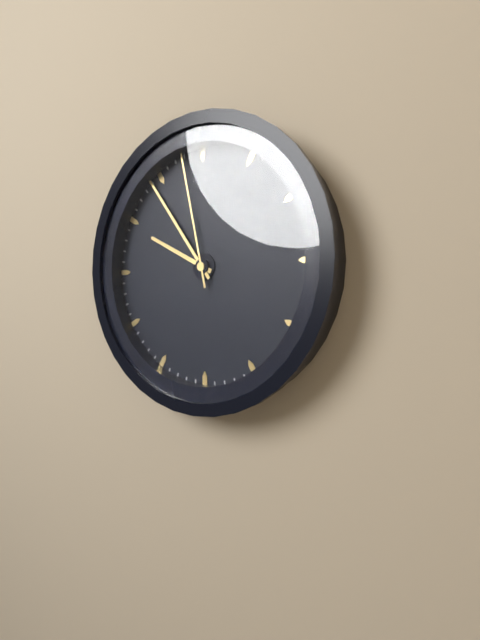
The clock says **9:54:58**
